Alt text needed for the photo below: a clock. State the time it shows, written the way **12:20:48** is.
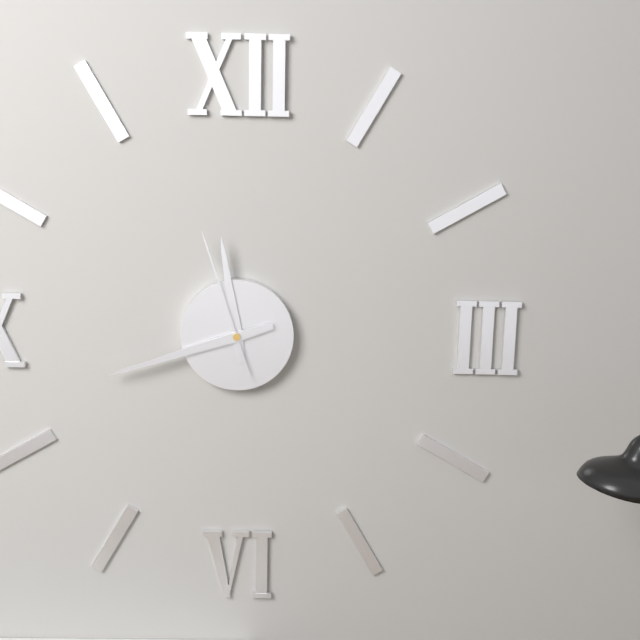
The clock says **11:42:57**
